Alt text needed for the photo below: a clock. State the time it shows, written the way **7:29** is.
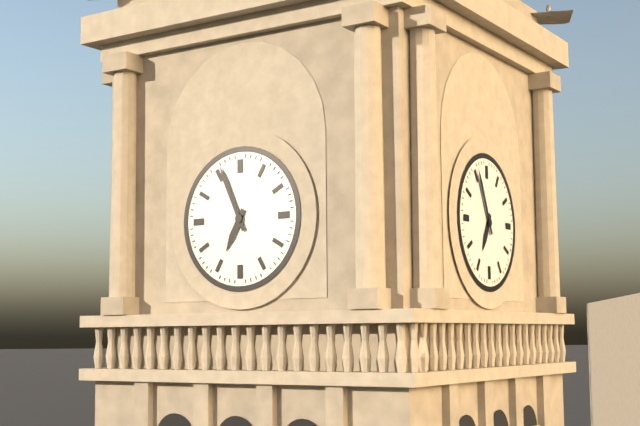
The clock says **6:56**
